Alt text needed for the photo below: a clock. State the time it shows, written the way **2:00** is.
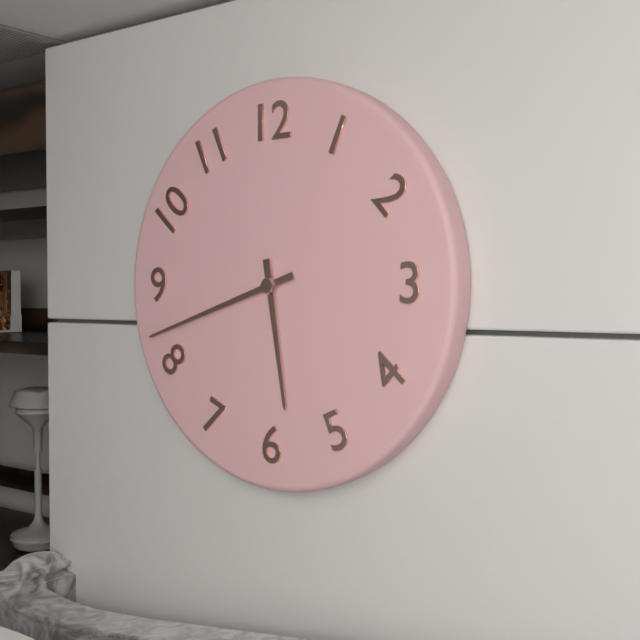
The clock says **5:42**
